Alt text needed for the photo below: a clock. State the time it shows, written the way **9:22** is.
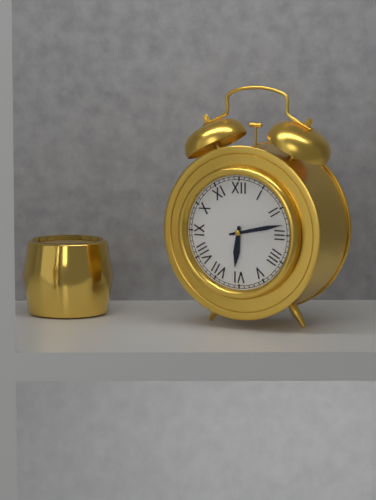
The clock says **6:13**
